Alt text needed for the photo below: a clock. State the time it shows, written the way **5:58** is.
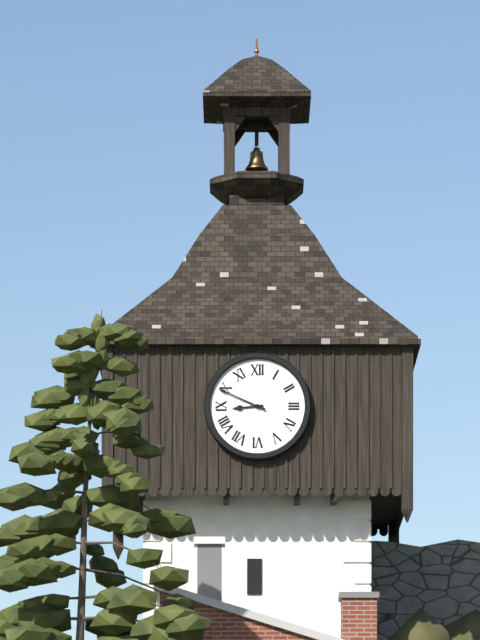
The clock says **8:49**
